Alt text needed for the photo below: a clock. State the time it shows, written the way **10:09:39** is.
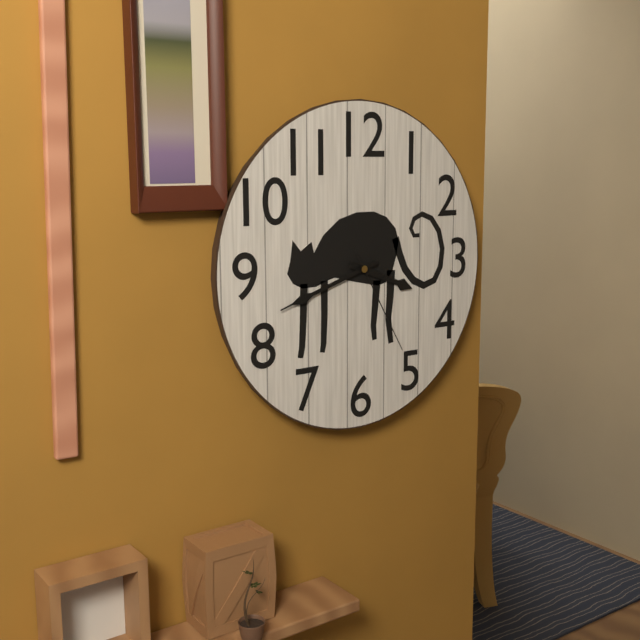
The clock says **3:42:25**
